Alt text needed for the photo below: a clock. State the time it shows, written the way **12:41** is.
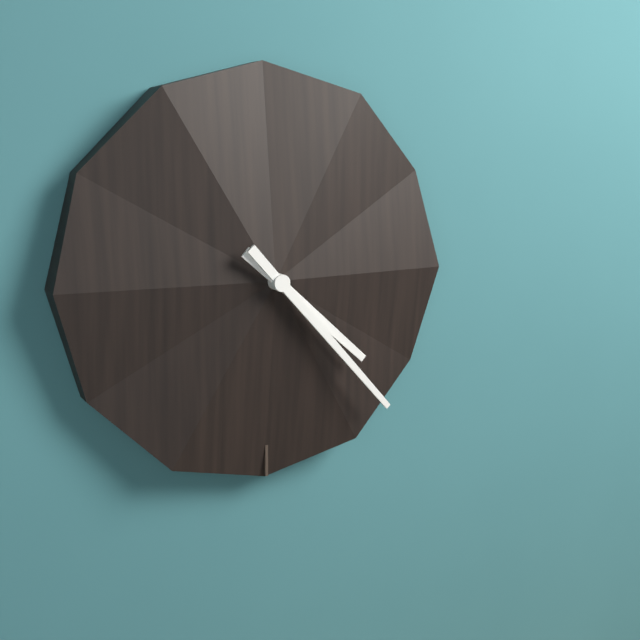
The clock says **4:23**
